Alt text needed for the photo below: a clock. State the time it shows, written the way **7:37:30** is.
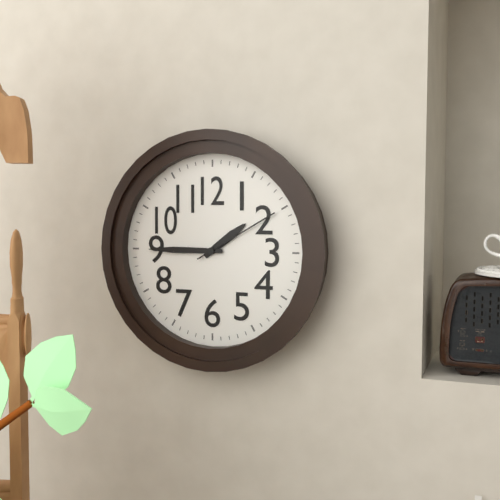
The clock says **1:45:10**
